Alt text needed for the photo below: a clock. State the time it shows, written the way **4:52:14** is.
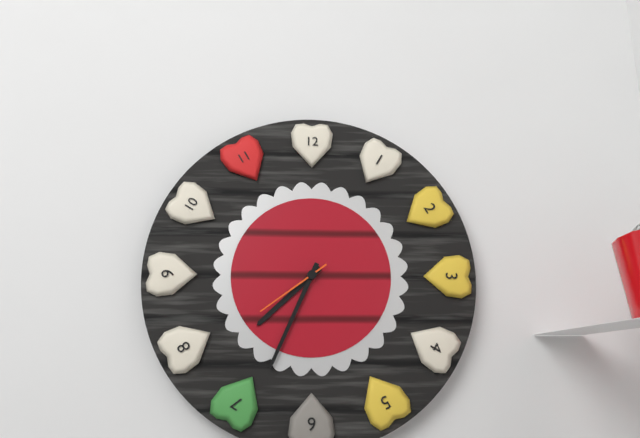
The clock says **7:34:39**
